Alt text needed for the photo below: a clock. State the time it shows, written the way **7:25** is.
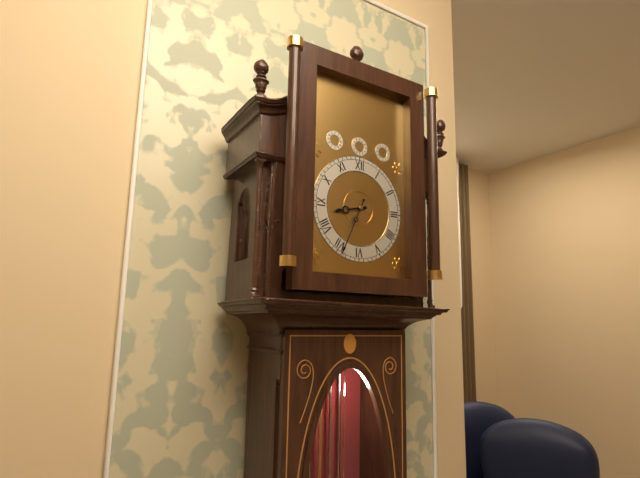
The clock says **8:34**
